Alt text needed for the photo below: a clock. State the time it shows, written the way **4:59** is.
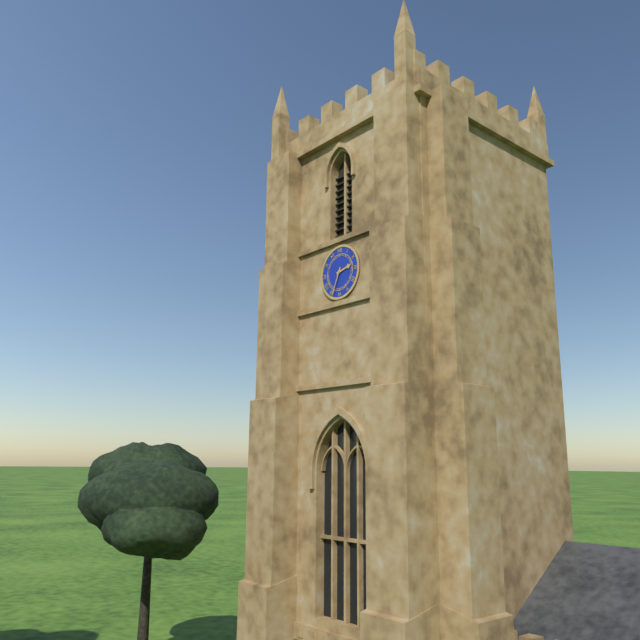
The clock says **2:34**
